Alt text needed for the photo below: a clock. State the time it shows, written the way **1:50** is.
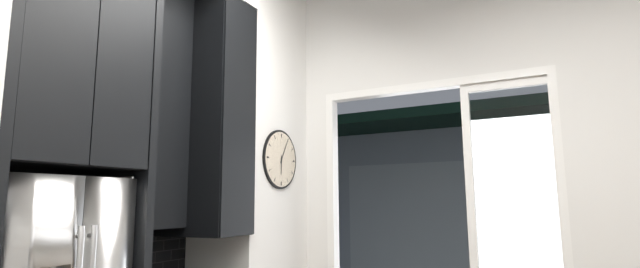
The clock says **6:05**
